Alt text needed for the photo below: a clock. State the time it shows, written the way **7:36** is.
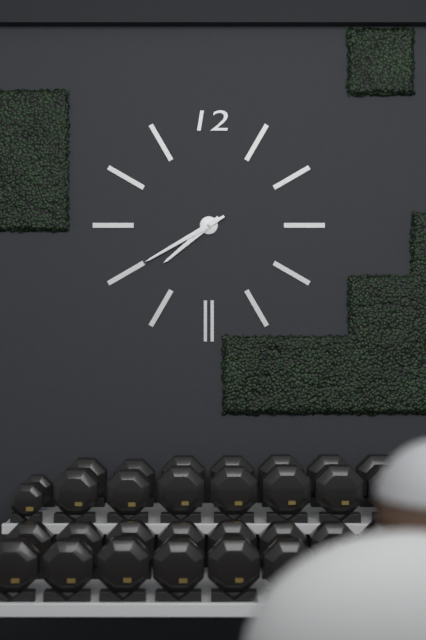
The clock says **7:40**
